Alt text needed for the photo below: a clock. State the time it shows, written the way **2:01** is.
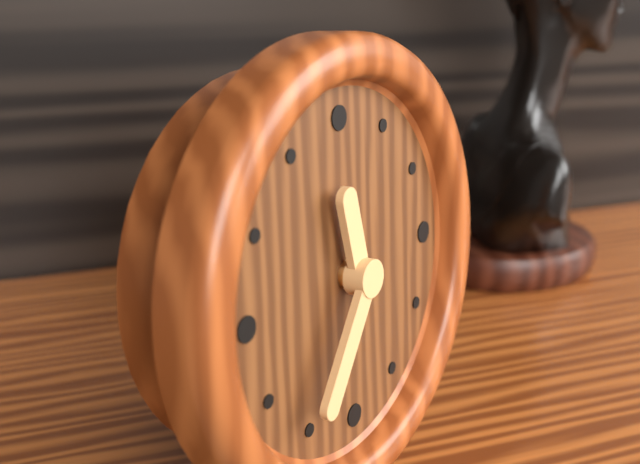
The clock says **11:36**
